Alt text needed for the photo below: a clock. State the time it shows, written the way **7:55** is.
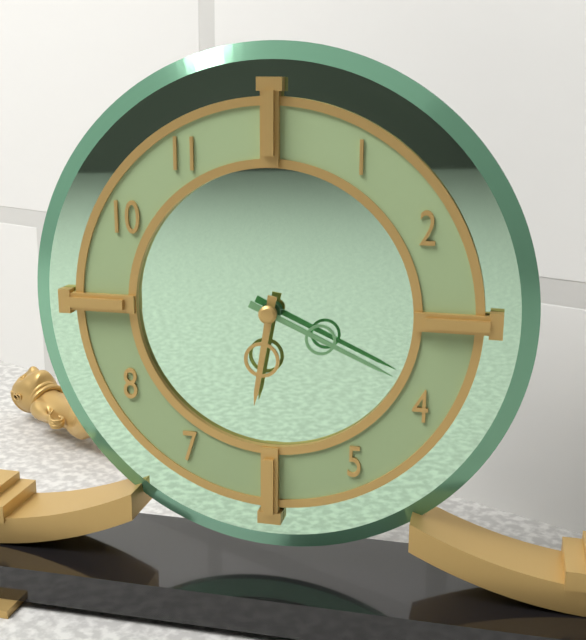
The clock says **6:19**
